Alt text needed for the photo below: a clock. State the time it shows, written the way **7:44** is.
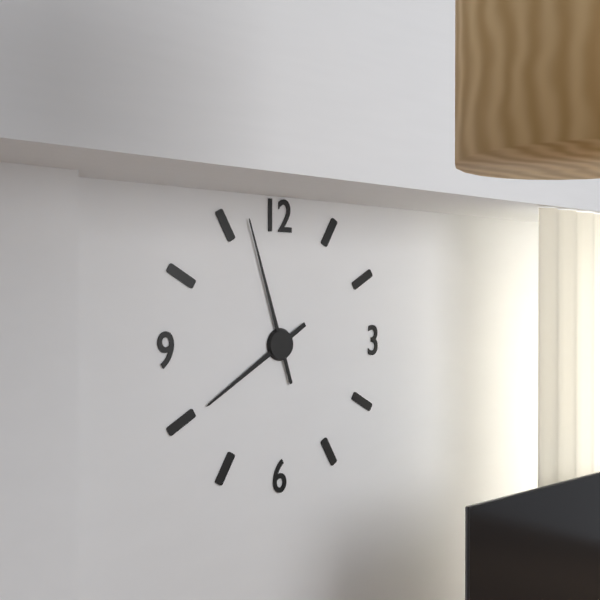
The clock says **7:57**
